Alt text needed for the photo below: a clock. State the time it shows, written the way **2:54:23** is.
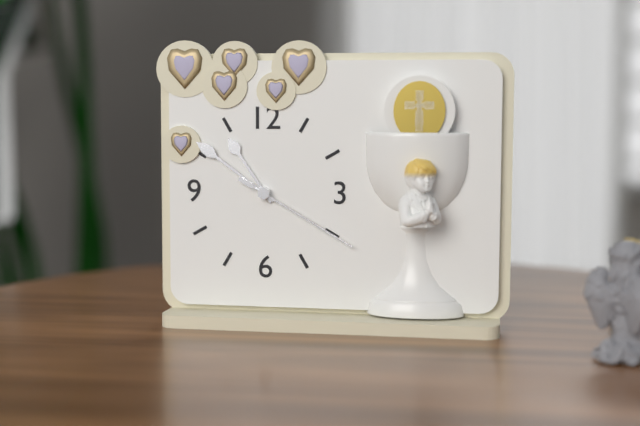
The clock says **10:51:20**
